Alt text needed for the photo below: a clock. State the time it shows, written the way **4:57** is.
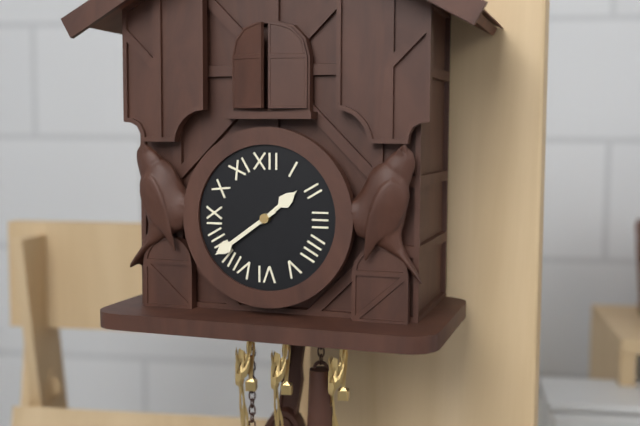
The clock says **1:39**
